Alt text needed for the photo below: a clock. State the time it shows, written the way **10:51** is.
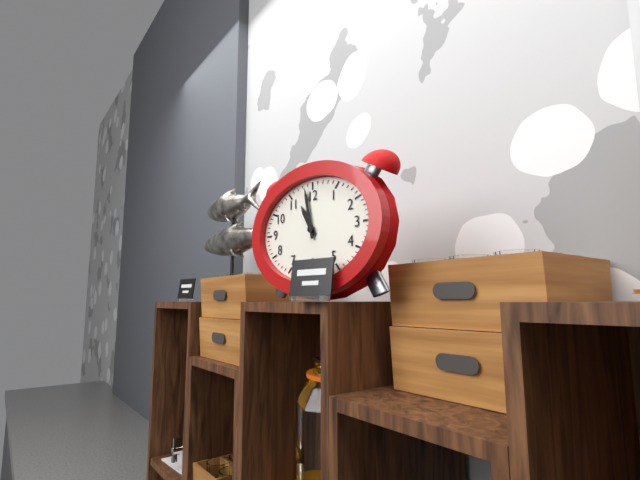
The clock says **10:58**
